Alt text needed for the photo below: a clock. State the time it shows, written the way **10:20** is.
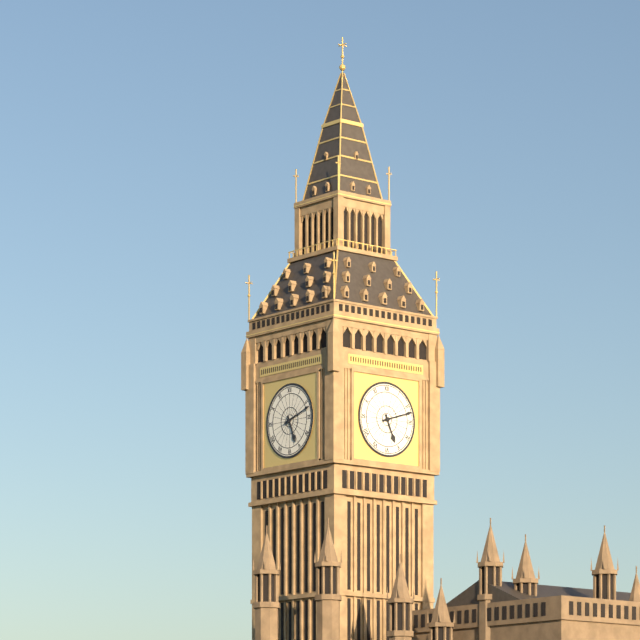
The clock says **5:12**
